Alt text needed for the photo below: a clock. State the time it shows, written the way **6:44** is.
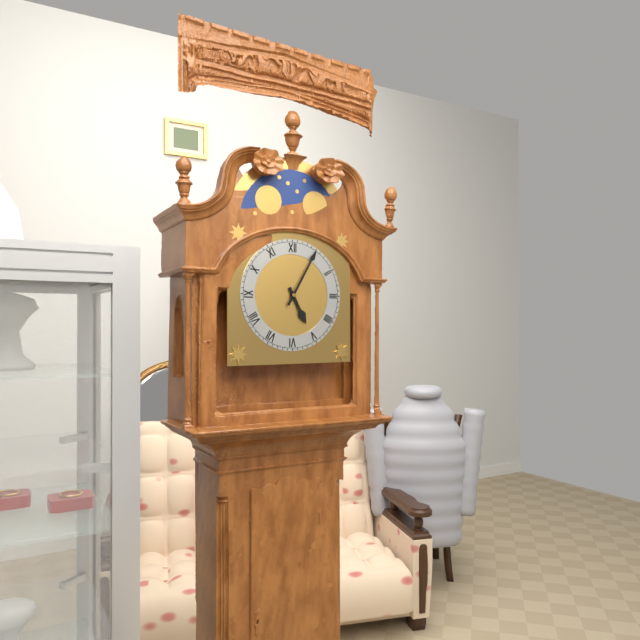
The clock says **5:05**
